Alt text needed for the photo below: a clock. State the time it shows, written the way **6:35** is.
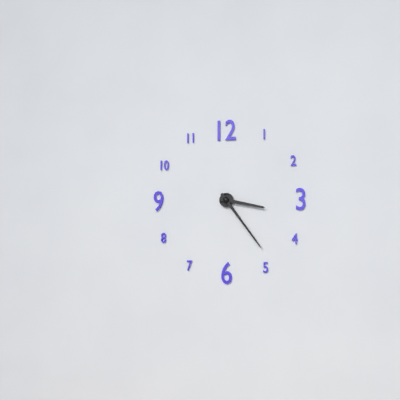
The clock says **3:24**
